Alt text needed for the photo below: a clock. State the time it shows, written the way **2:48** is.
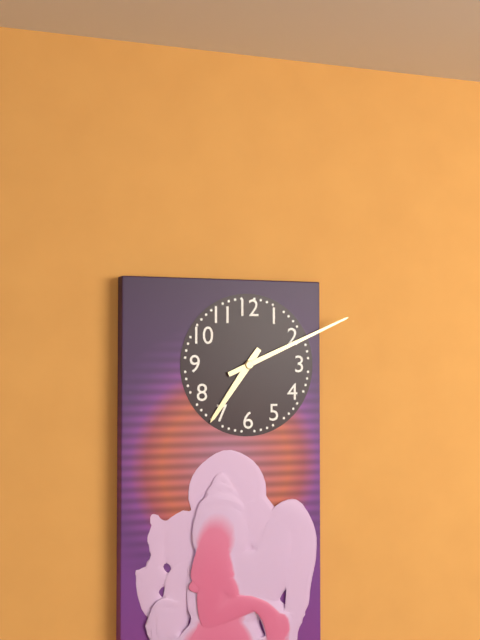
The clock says **7:11**
